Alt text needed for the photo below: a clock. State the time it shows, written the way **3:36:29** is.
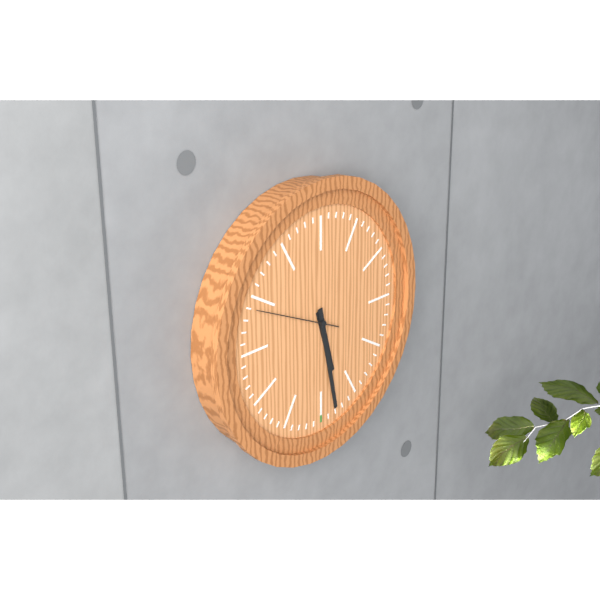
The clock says **5:28:49**
